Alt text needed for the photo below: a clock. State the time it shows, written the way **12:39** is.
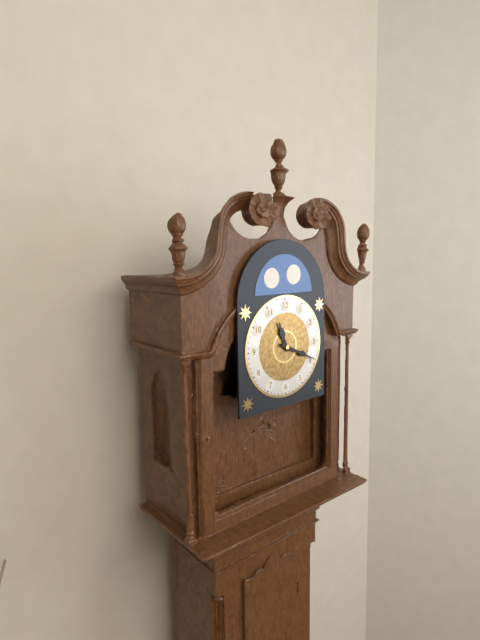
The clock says **11:19**
